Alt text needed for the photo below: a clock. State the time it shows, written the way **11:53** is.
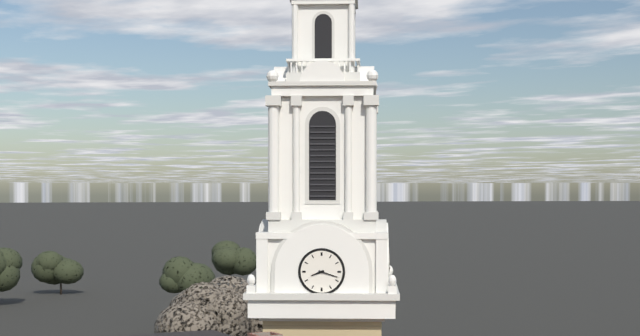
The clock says **8:18**
